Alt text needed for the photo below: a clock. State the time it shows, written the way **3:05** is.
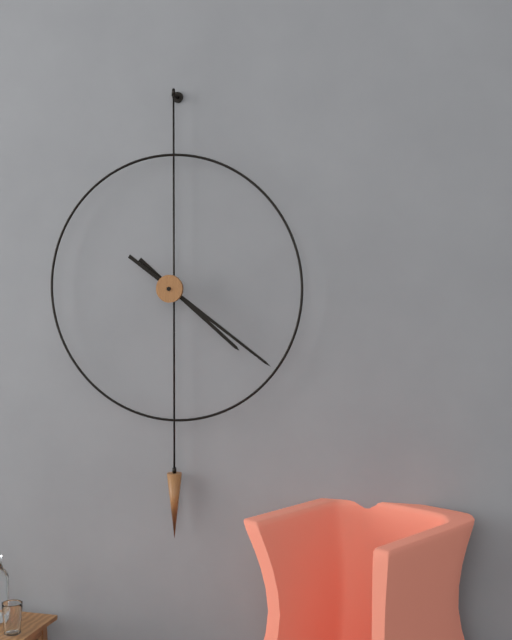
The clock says **4:21**
